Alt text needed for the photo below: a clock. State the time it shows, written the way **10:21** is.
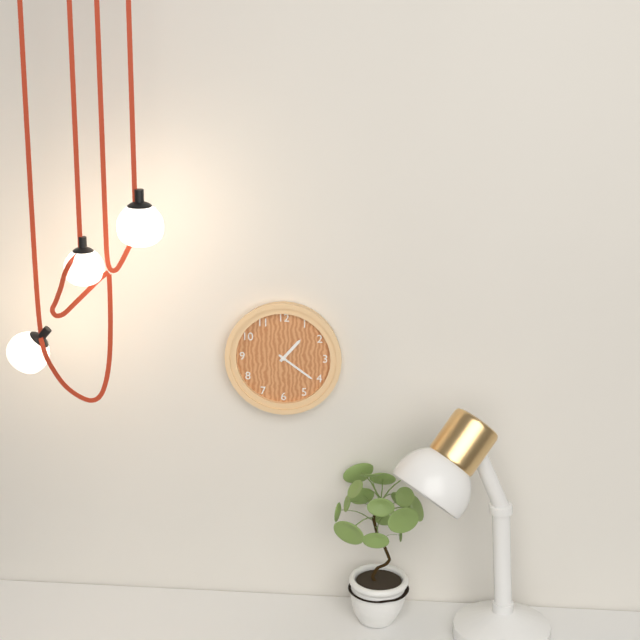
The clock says **1:21**
